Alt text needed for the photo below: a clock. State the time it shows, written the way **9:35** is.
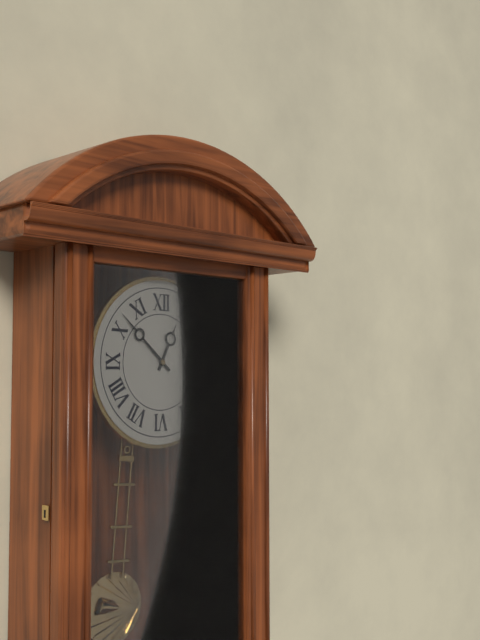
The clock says **12:52**
